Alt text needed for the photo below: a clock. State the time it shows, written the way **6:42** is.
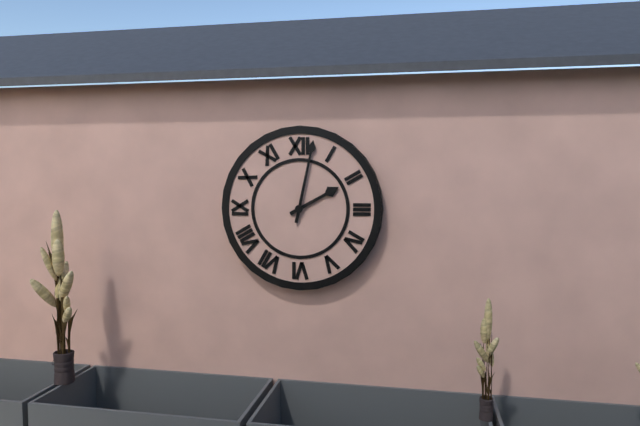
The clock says **2:02**
